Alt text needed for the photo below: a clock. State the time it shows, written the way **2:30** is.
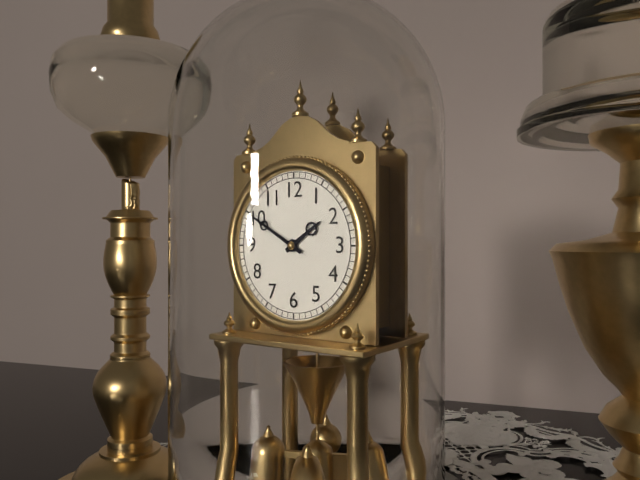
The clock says **1:50**
